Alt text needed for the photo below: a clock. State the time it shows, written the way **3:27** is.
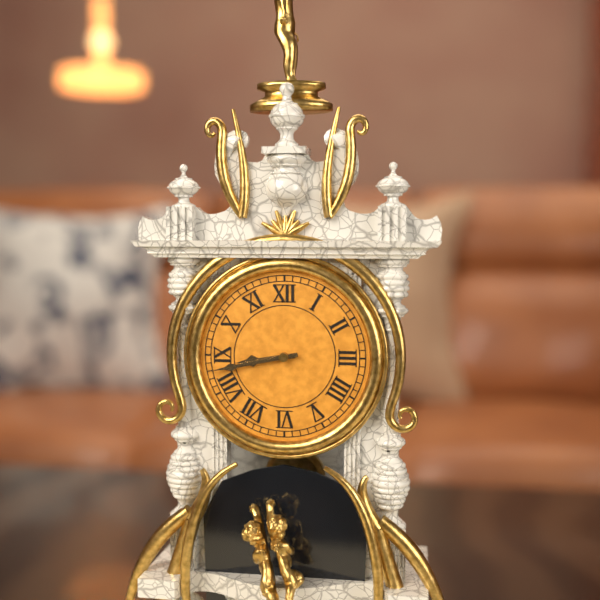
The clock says **8:43**
